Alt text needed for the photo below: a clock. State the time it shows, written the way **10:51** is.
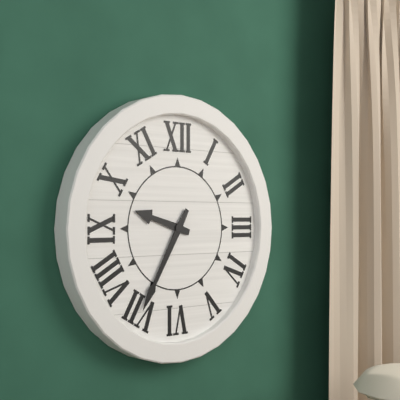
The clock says **9:35**
